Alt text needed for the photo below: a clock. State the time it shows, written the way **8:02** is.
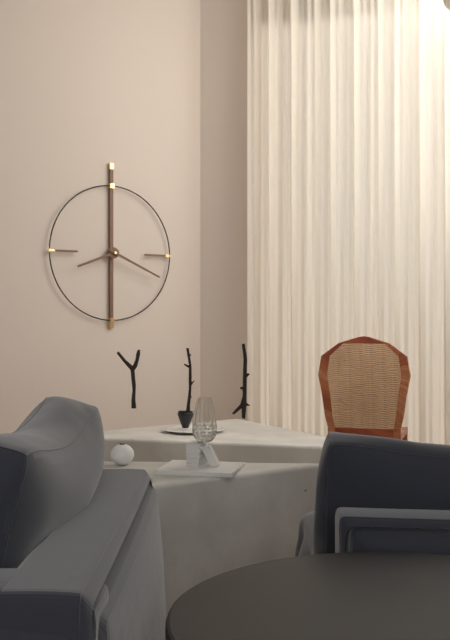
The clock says **8:19**
